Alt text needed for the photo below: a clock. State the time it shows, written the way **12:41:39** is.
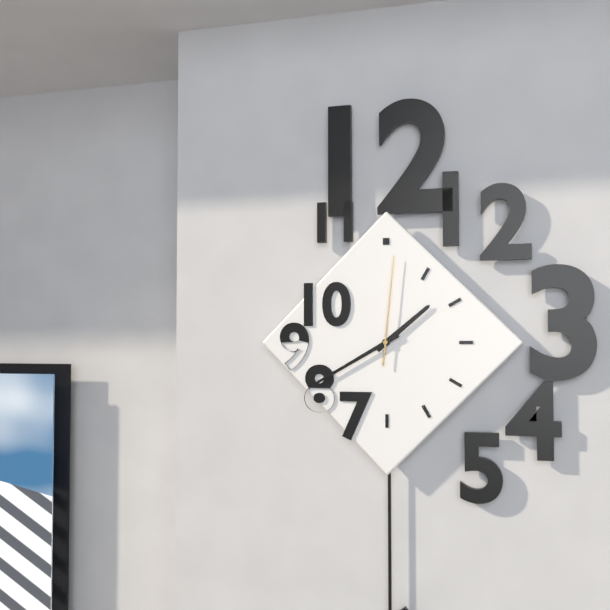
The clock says **1:40:01**
